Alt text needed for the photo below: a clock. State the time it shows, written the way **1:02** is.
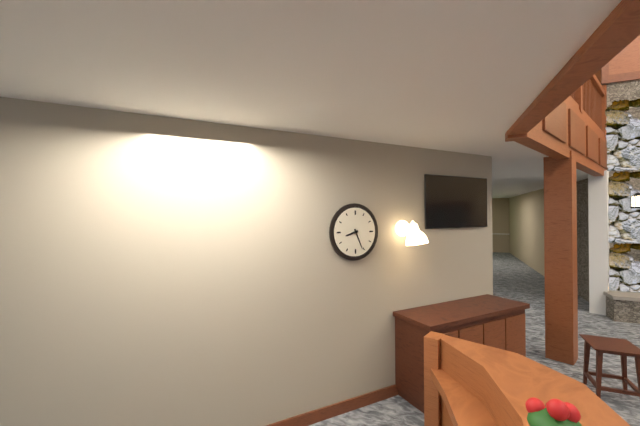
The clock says **8:26**
